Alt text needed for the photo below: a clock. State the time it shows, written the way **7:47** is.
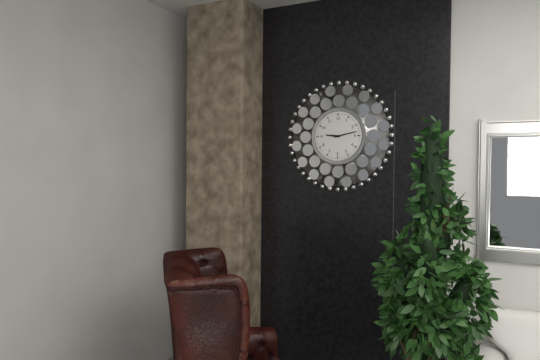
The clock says **9:13**
